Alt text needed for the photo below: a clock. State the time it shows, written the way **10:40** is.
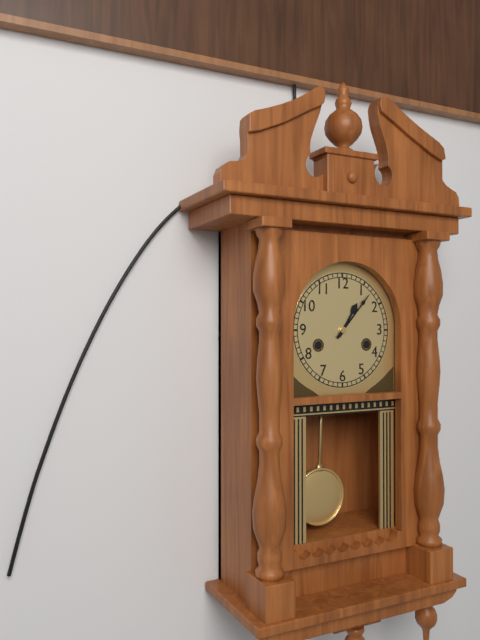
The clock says **1:07**
